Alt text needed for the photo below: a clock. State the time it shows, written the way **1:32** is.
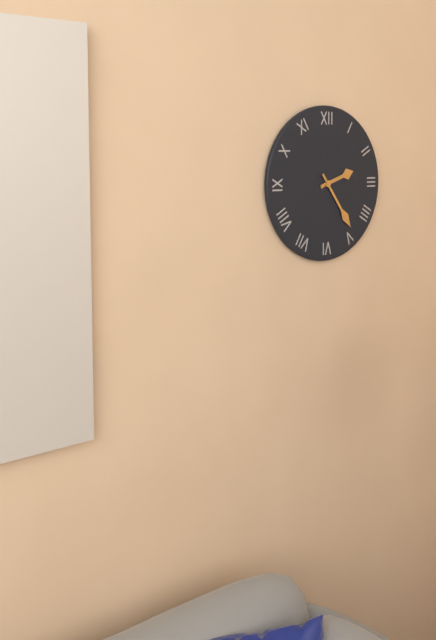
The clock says **2:24**
